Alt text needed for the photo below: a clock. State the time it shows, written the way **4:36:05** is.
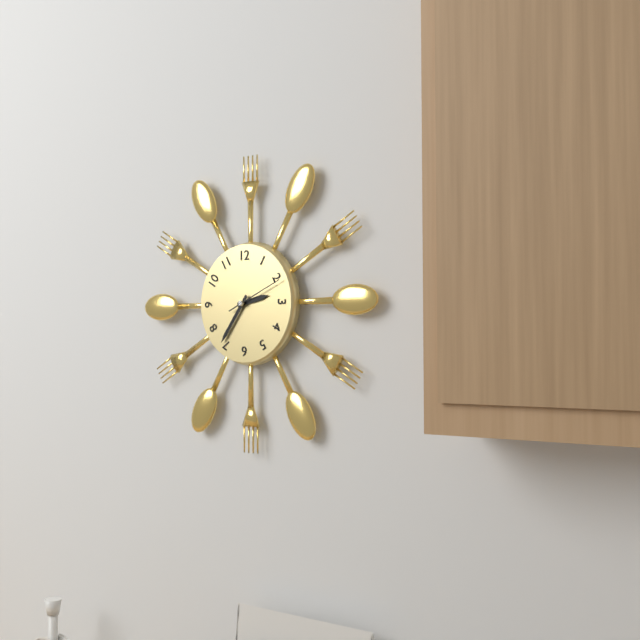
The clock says **2:36:11**
